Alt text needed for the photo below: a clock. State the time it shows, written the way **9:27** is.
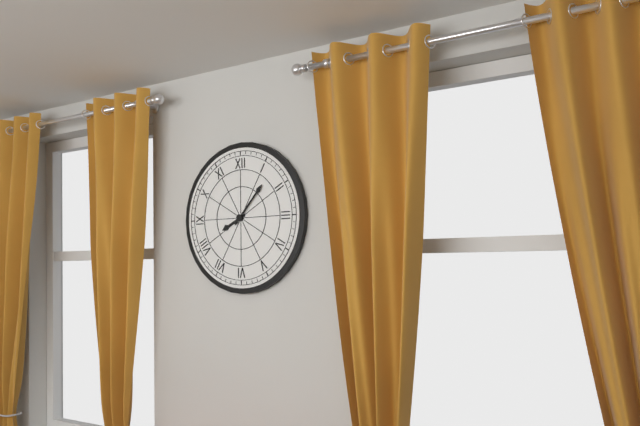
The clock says **8:07**
